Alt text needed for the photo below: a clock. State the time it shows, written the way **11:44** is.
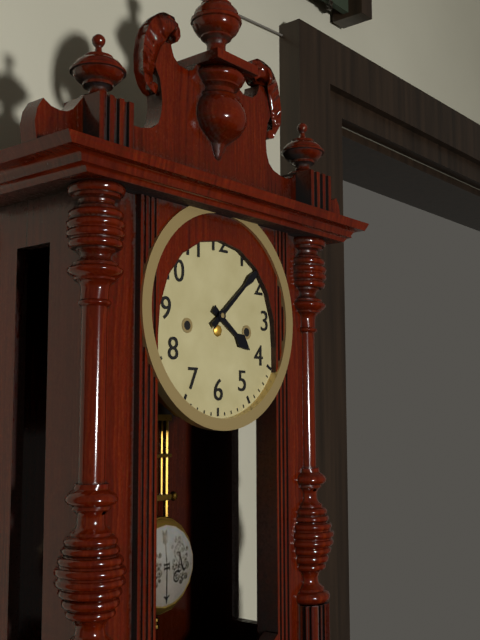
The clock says **4:08**
